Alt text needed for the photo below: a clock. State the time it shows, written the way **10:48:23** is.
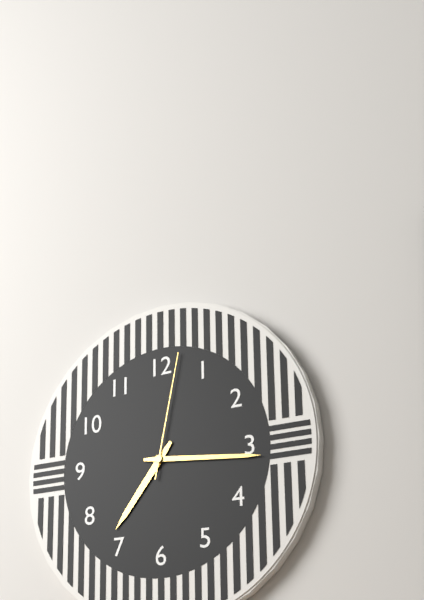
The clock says **7:16:02**
